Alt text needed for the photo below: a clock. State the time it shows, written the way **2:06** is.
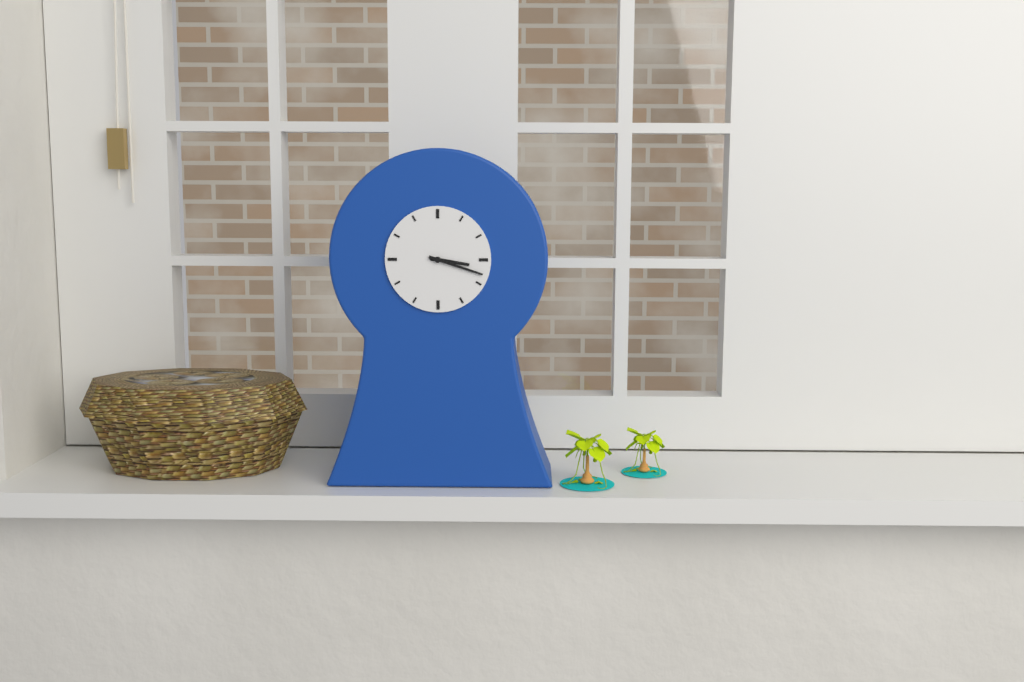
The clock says **3:18**
